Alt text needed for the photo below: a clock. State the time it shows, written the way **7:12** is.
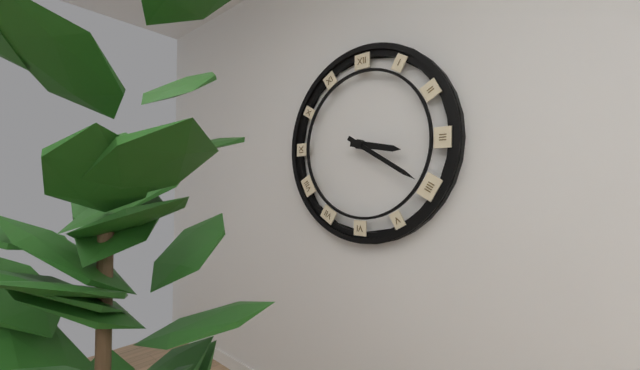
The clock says **3:20**
